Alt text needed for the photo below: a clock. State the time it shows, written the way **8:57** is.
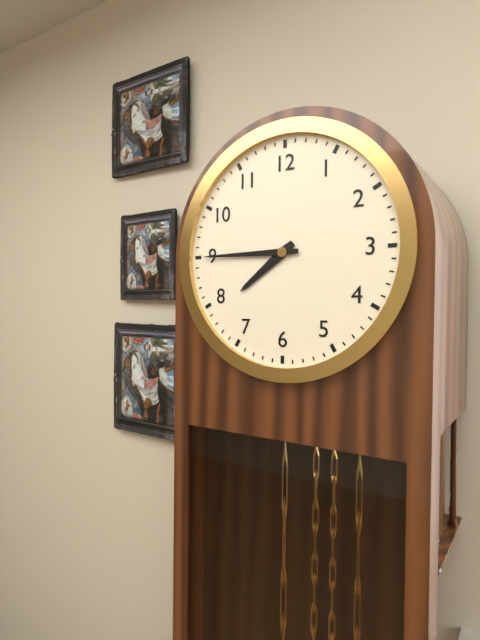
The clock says **7:45**
